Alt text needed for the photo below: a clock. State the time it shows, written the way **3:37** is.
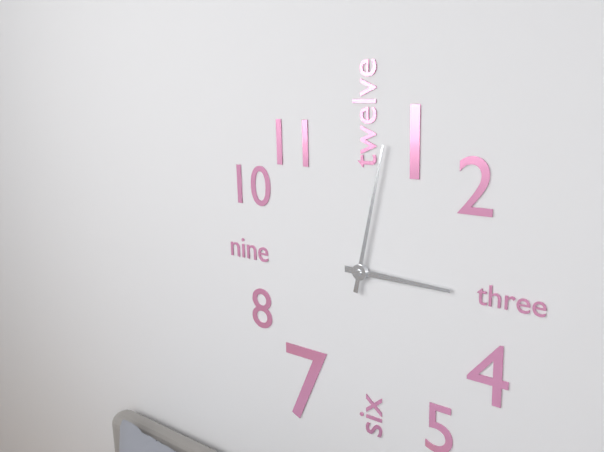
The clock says **3:02**
